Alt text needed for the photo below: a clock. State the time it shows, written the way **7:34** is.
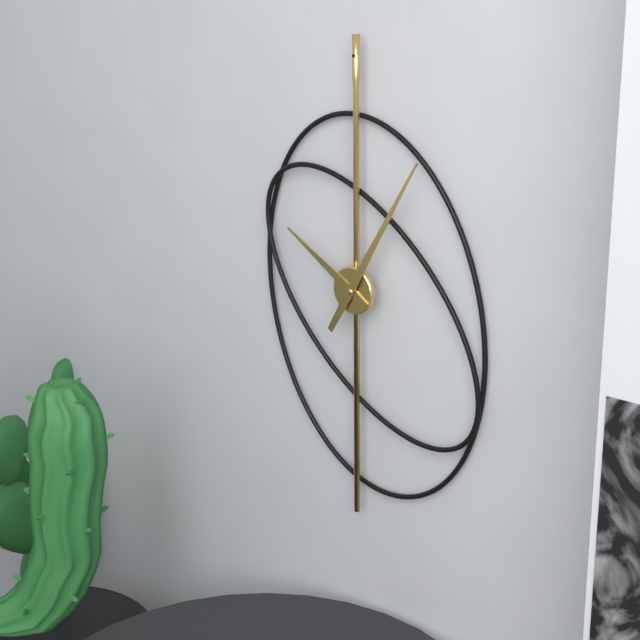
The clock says **10:05**
